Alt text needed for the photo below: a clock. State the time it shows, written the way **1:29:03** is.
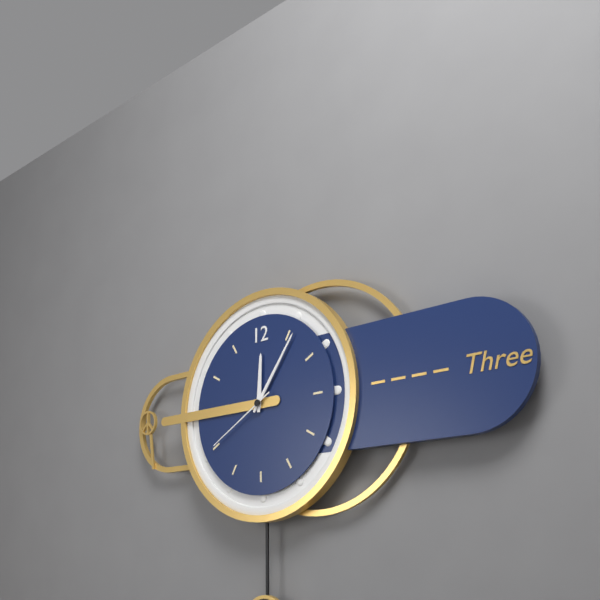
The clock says **12:06:40**
